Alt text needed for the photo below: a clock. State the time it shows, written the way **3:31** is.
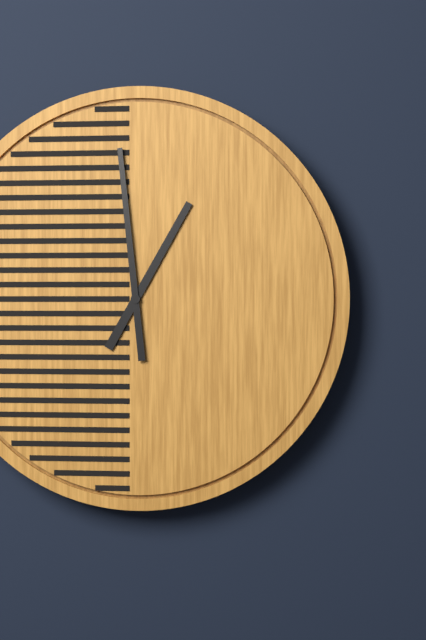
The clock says **12:59**
